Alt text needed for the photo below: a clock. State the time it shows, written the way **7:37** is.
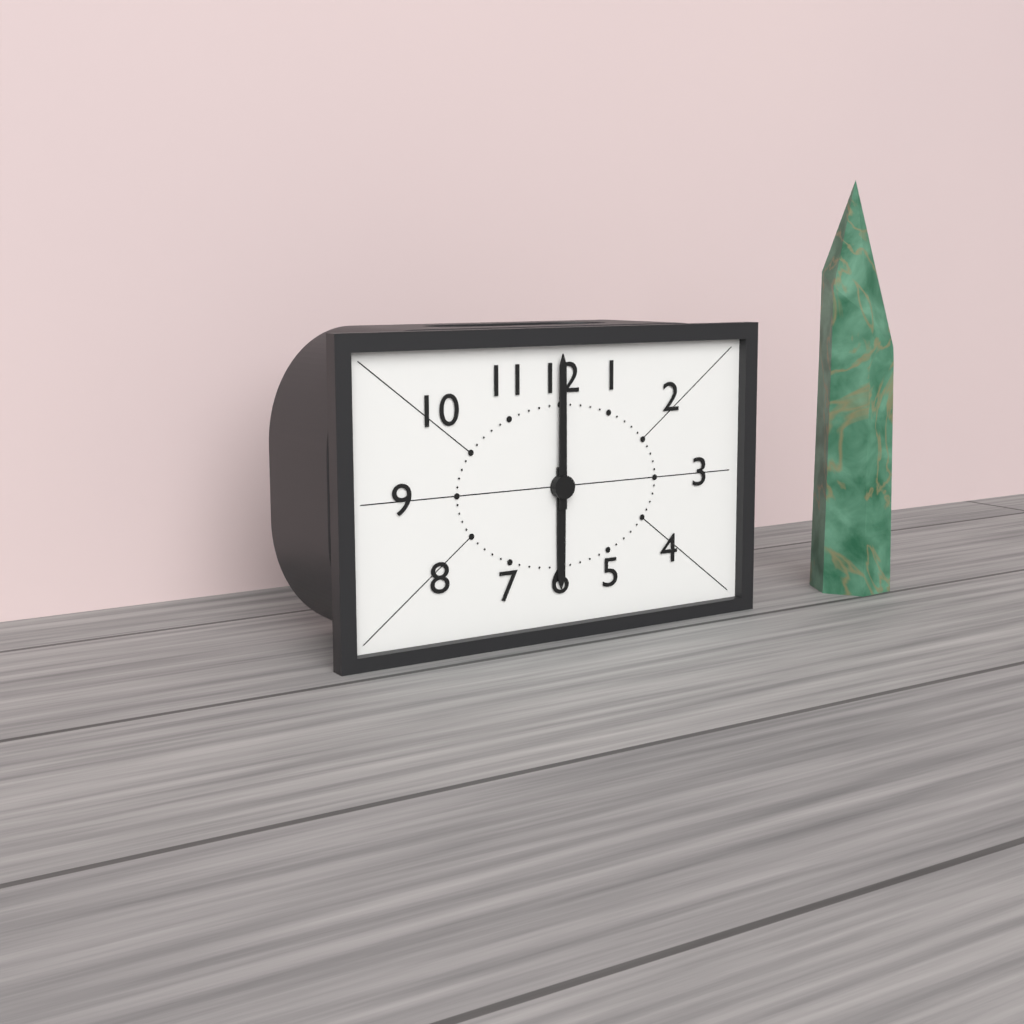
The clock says **6:00**
